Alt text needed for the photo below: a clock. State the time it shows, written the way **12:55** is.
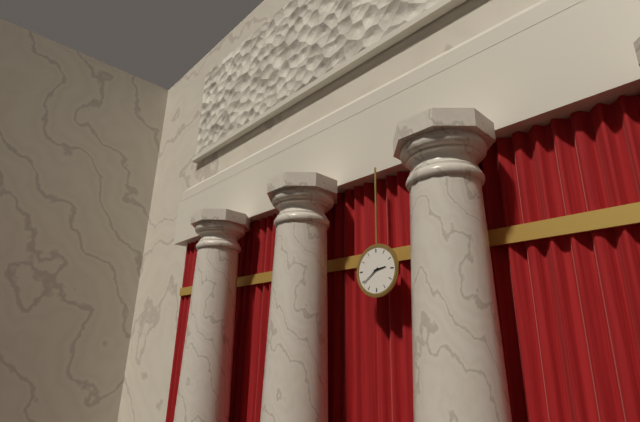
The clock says **2:39**
